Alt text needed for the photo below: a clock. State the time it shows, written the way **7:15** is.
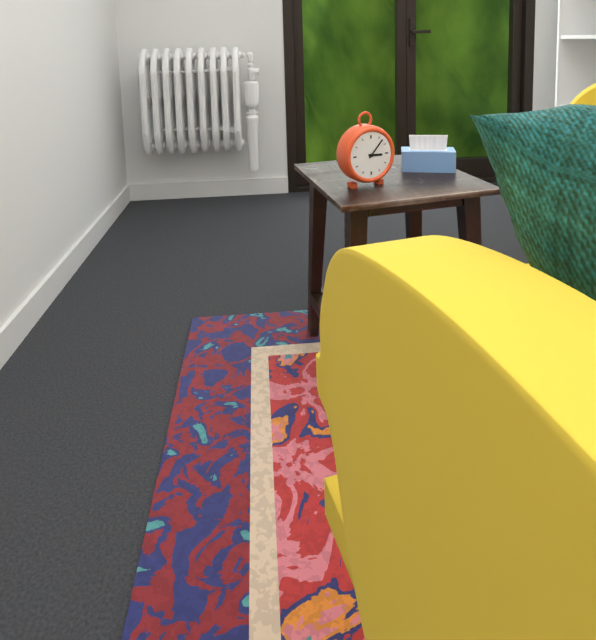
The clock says **3:07**
